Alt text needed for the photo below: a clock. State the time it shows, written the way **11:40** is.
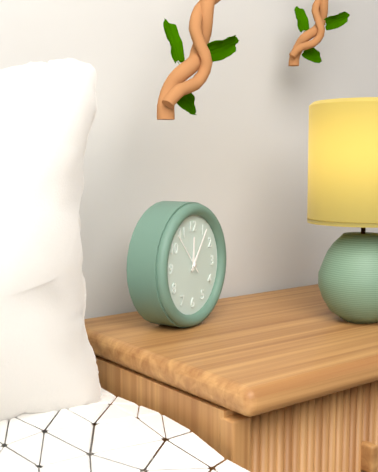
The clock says **12:06**
